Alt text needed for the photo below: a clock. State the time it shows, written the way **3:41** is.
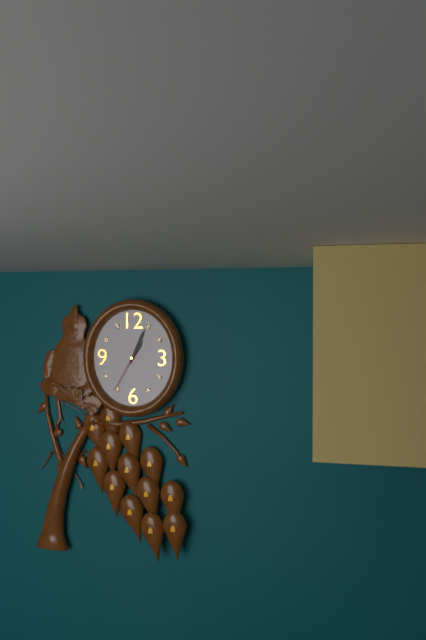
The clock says **1:04**
